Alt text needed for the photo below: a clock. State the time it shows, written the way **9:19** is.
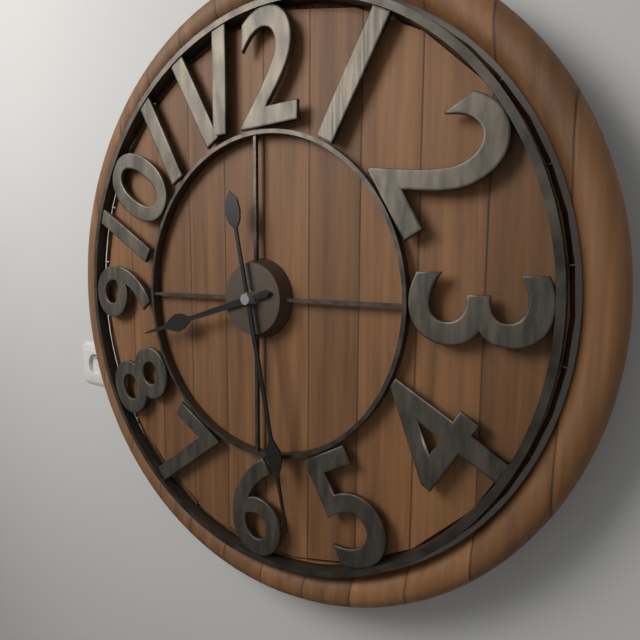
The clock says **8:28**
